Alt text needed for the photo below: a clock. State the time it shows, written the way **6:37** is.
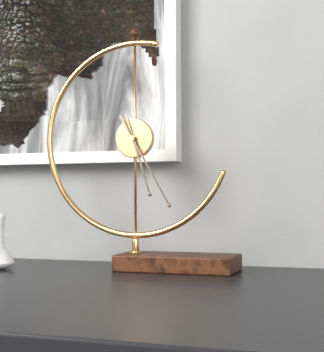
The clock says **5:25**
